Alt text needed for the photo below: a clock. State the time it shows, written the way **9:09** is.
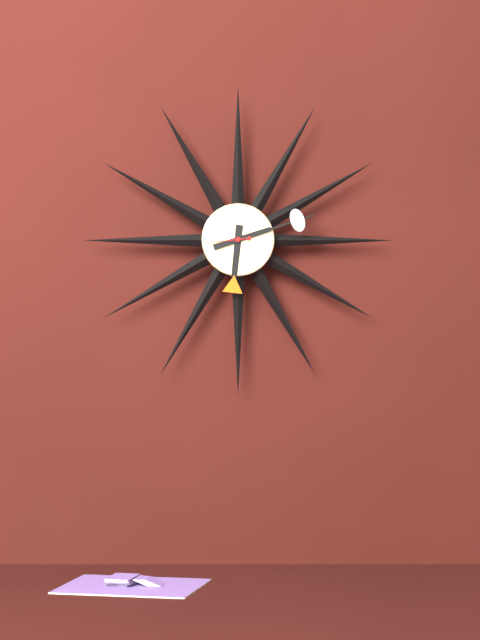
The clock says **6:12**
